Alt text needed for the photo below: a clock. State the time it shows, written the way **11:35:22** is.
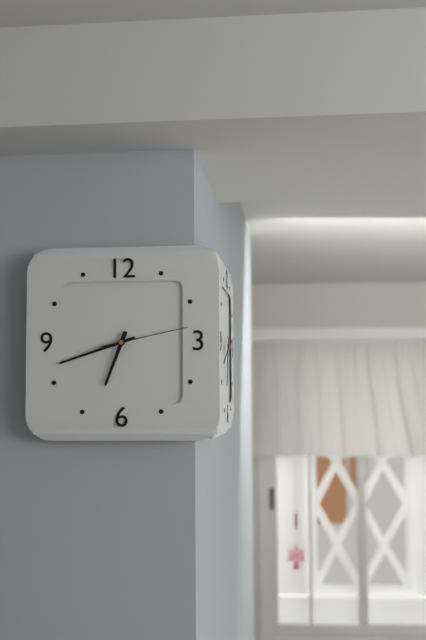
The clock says **6:42:13**
